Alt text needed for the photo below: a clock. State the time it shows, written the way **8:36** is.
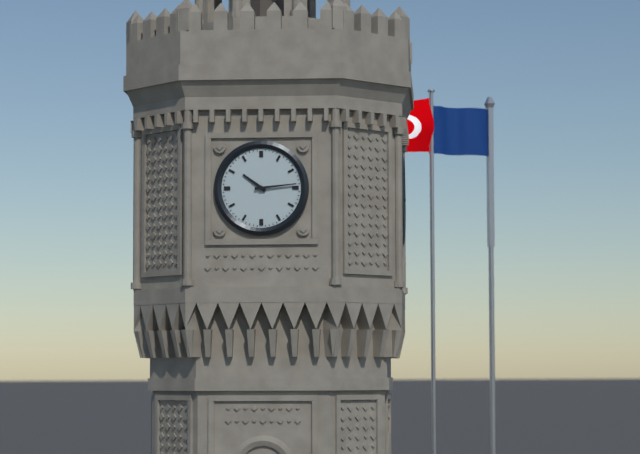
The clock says **10:14**
